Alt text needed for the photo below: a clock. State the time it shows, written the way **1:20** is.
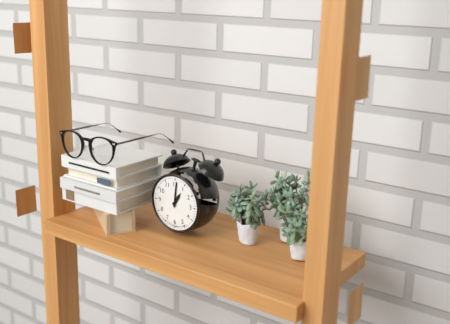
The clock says **1:01**
